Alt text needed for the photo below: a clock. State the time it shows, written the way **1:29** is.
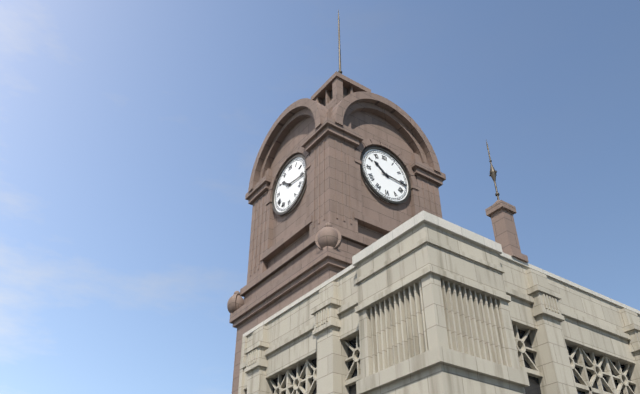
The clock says **10:16**
